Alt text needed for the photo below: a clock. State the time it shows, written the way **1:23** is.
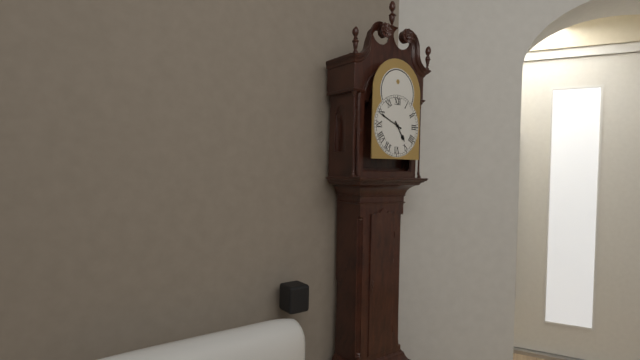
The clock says **4:49**
